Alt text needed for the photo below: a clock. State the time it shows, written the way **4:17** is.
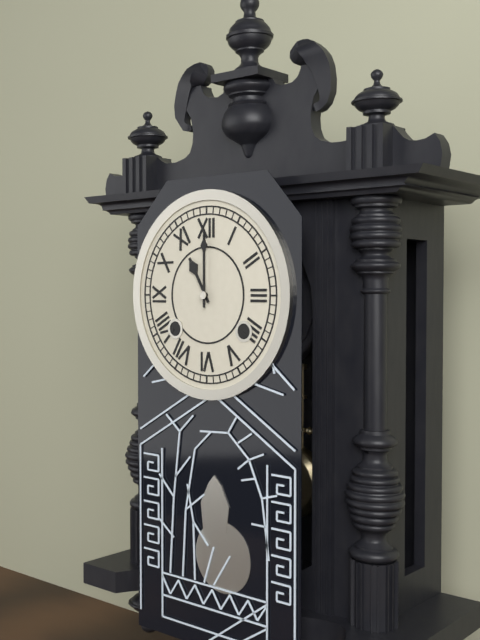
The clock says **11:00**
